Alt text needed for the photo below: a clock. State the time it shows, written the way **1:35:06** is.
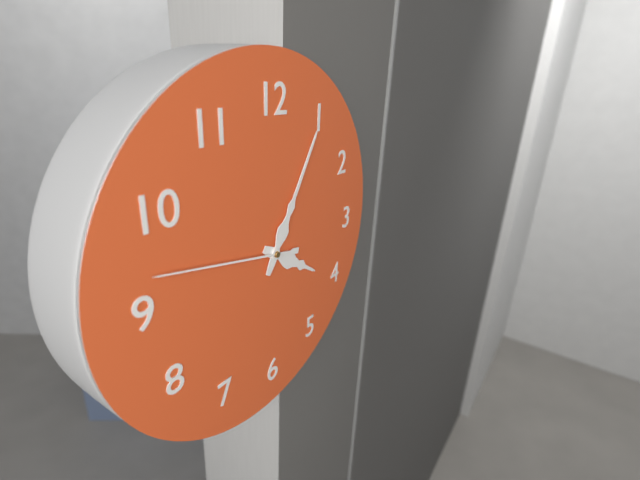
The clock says **4:05:47**
